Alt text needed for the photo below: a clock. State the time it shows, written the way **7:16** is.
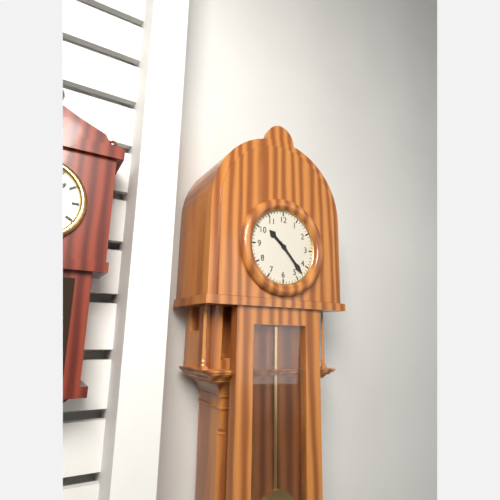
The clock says **10:23**
